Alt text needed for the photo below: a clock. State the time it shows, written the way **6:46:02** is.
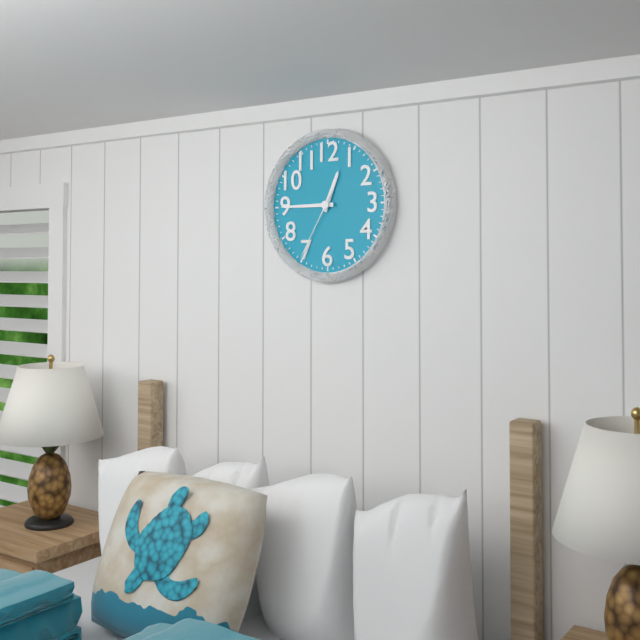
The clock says **12:45:35**
